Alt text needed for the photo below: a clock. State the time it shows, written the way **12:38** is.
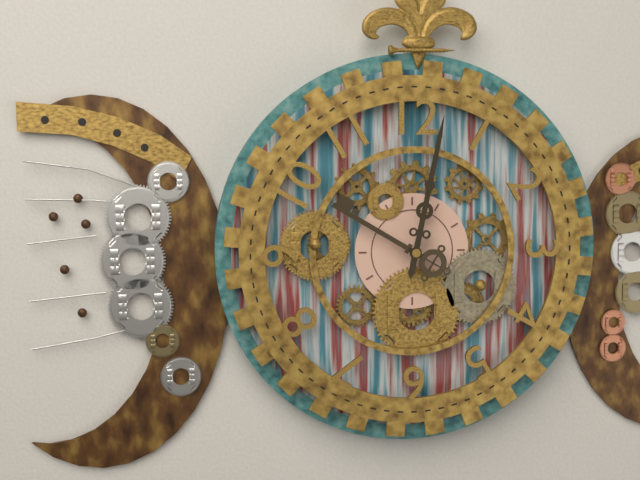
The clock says **10:02**
